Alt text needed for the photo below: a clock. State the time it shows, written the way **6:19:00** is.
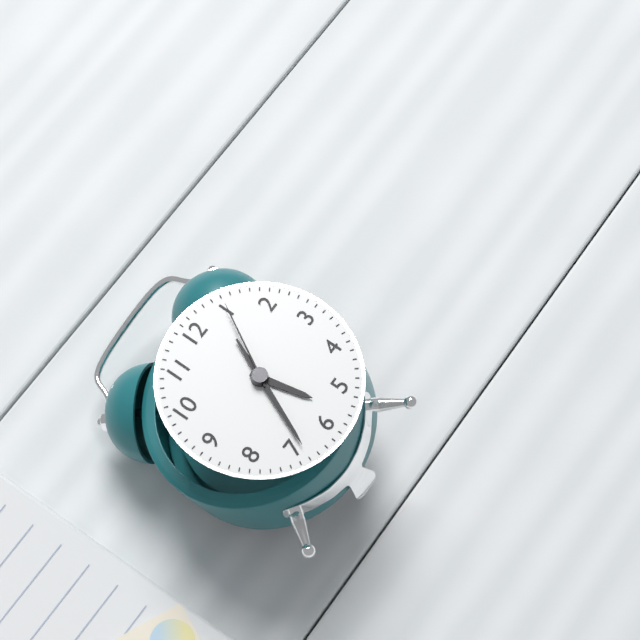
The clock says **5:34:05**
